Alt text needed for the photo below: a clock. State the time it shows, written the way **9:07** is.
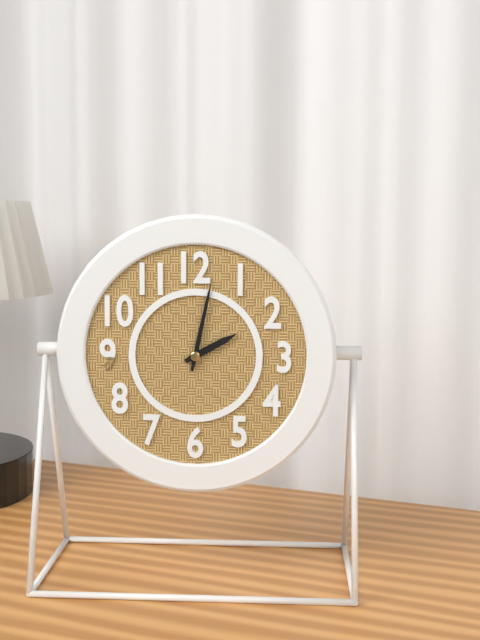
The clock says **2:02**
